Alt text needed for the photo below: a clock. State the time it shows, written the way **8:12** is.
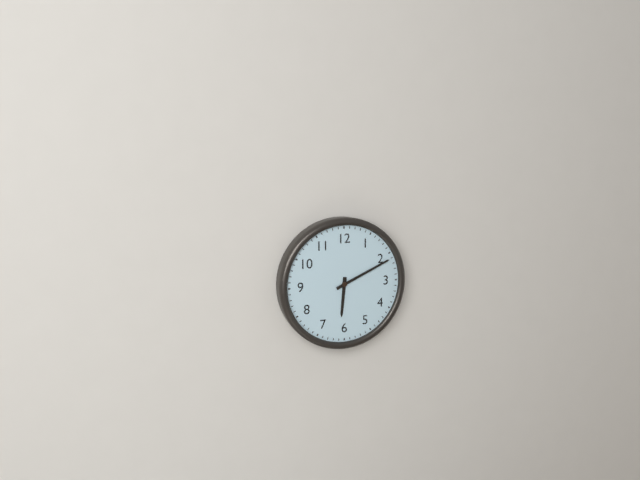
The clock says **6:11**
